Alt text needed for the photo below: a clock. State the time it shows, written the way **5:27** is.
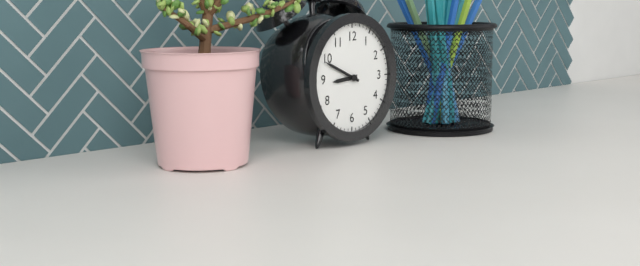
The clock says **8:49**
